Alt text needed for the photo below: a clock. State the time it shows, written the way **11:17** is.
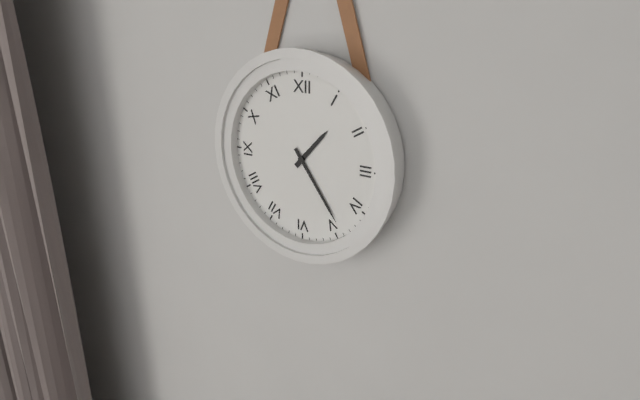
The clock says **1:24**
